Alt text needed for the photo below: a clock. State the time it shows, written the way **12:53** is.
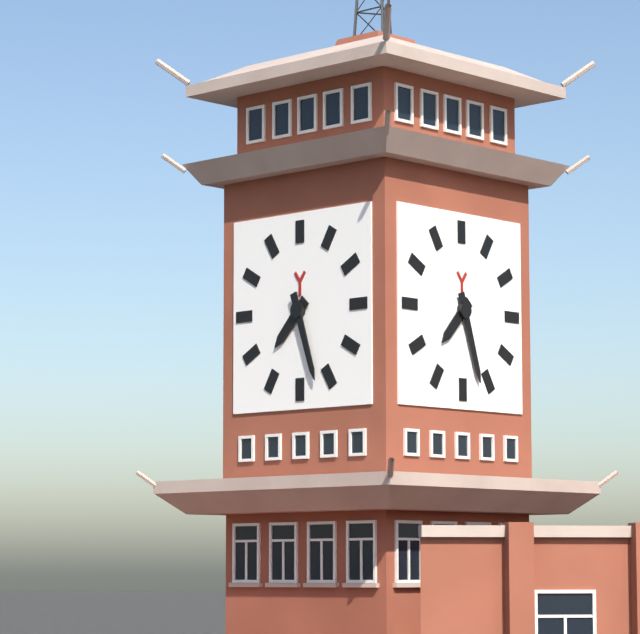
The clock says **7:27**
